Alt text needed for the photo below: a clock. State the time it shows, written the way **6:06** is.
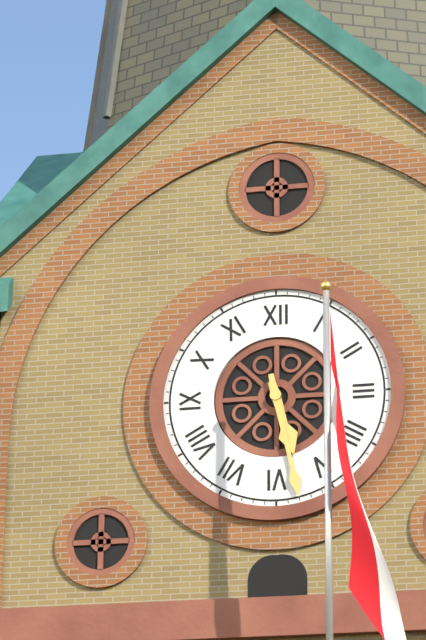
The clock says **5:28**
